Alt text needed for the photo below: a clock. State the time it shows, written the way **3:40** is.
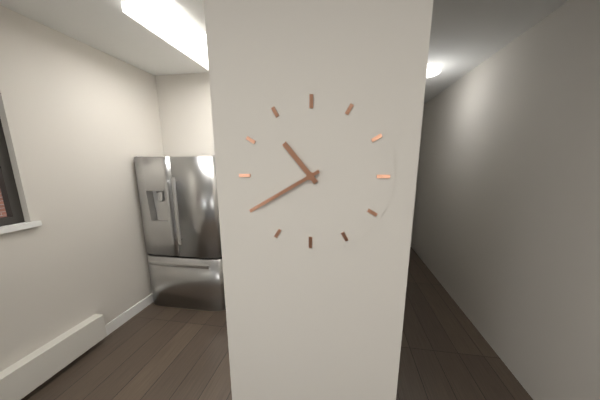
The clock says **10:40**
